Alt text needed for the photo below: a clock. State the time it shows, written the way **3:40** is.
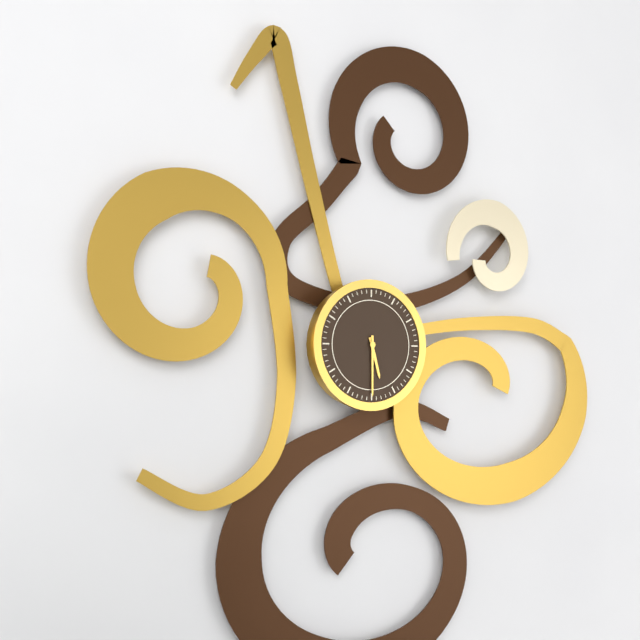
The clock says **5:30**
